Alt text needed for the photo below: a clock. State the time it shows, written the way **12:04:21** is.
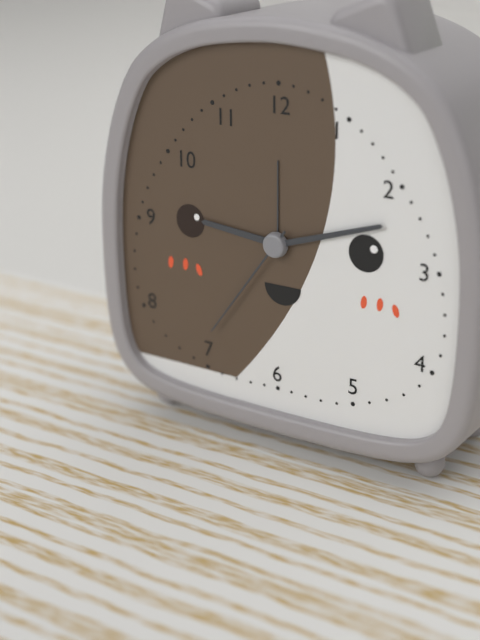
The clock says **9:12:36**
